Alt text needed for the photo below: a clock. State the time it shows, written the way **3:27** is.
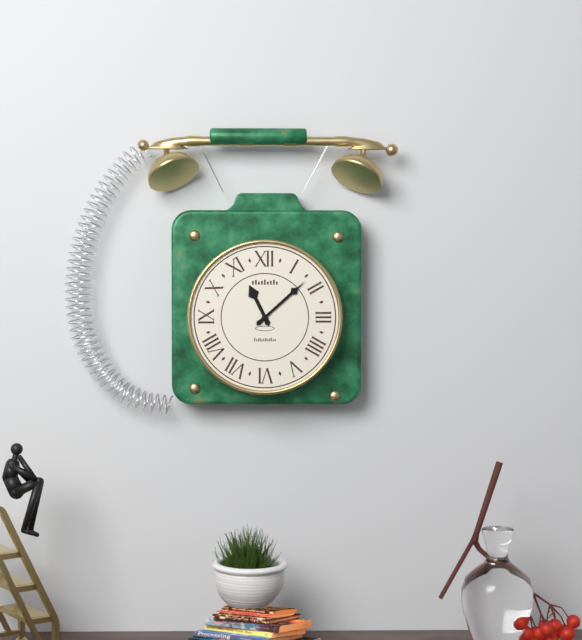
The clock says **11:08**
